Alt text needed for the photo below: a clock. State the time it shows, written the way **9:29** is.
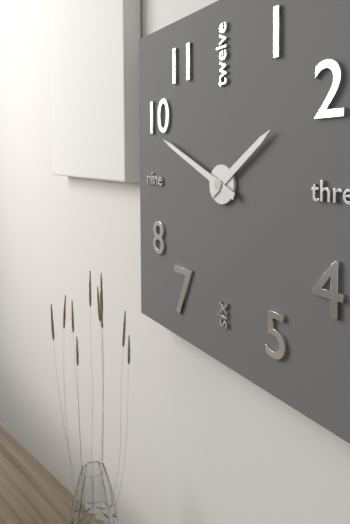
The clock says **1:49**
